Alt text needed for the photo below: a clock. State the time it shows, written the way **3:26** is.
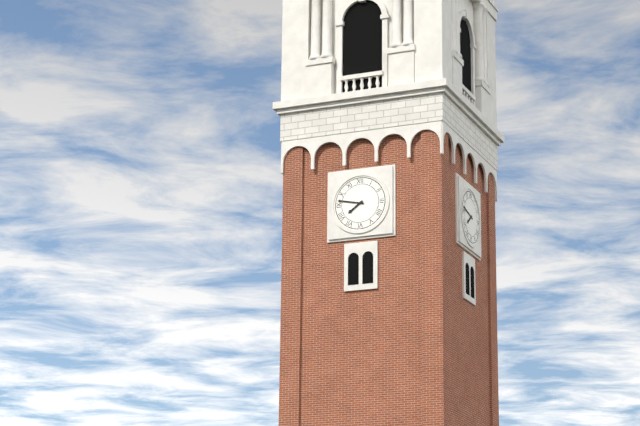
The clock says **7:47**
